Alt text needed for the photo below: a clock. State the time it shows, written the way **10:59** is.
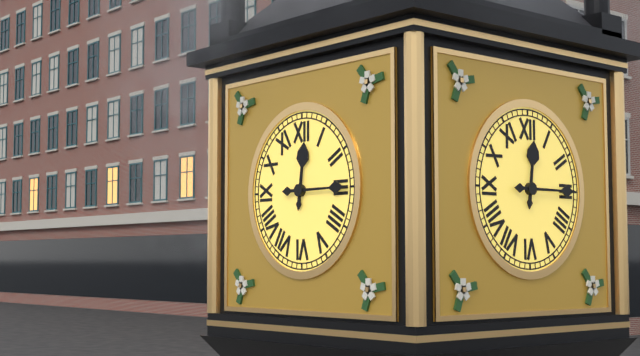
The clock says **12:15**
